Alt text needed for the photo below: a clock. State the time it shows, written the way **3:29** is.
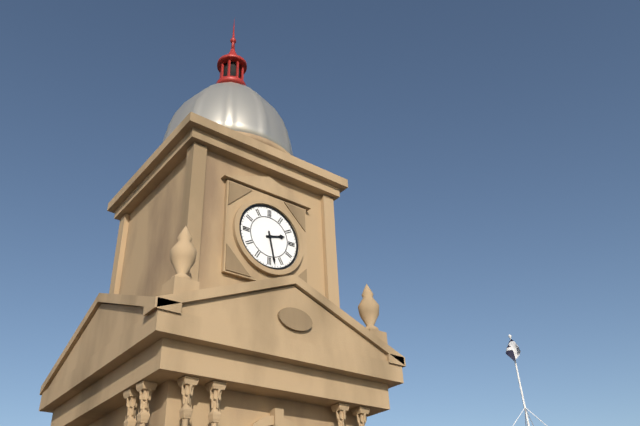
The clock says **2:28**
